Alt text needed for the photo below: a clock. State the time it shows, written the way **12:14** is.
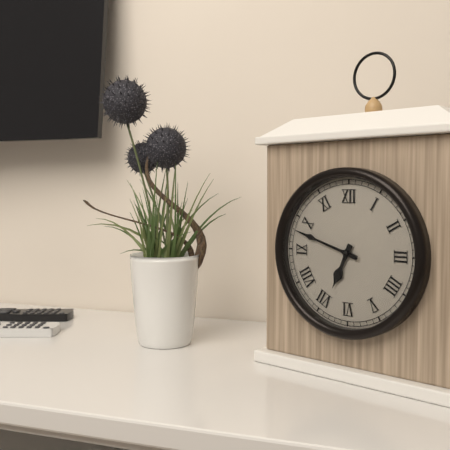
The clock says **6:48**
